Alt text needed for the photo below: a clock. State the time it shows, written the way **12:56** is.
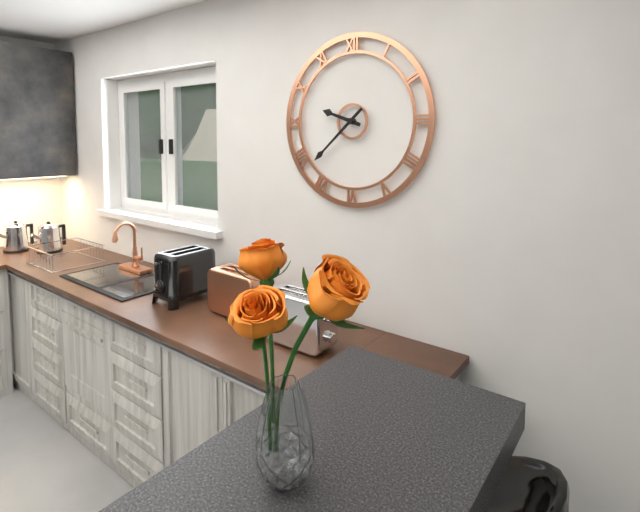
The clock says **9:38**
